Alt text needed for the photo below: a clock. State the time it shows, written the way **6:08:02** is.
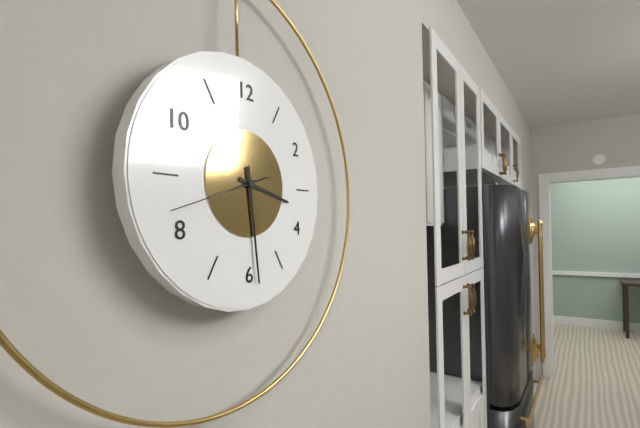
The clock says **3:29:42**
